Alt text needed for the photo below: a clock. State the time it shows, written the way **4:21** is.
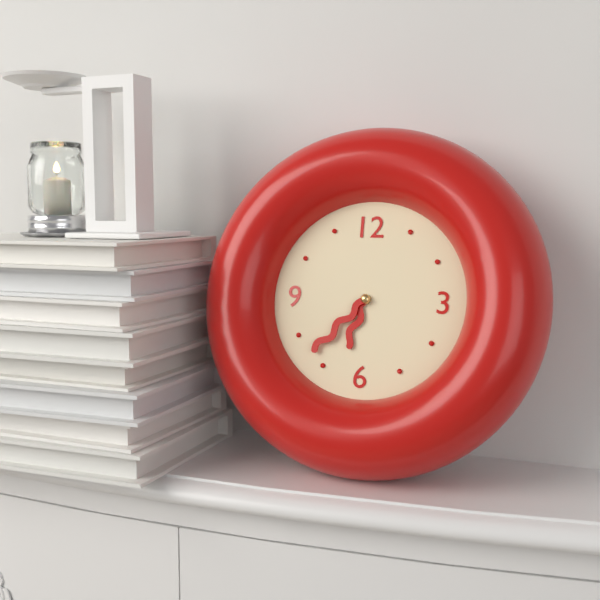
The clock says **6:37**
